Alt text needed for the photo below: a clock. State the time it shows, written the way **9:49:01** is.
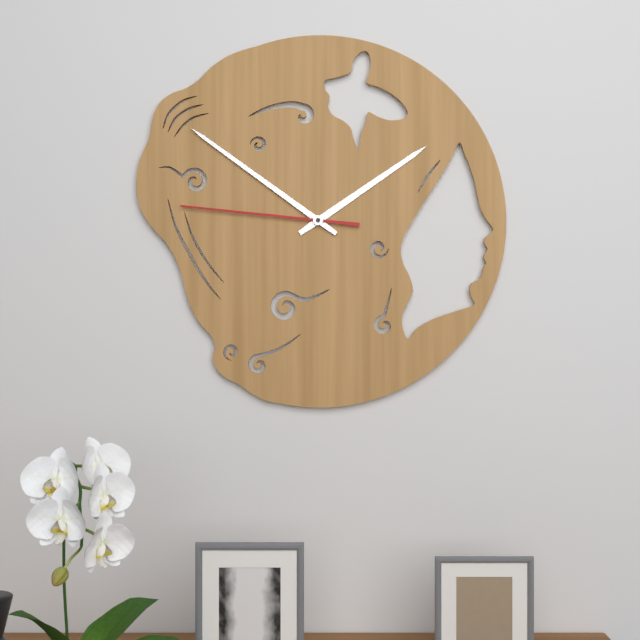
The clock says **1:51:46**
